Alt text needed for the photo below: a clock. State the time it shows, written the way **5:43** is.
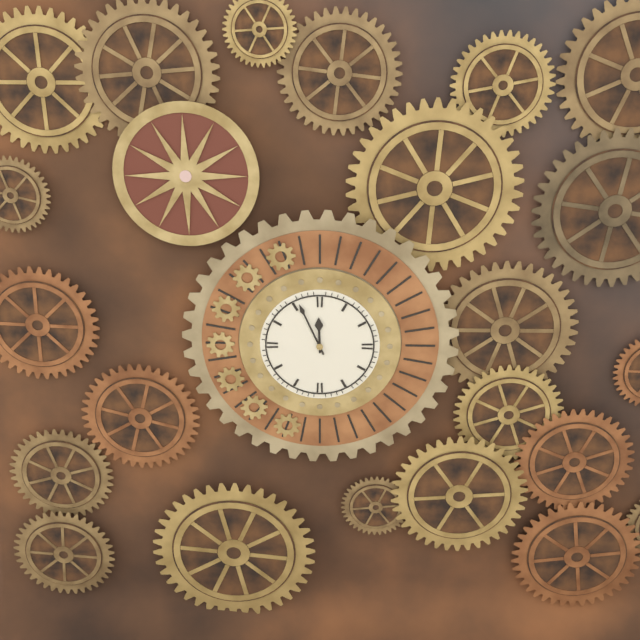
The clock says **11:56**
